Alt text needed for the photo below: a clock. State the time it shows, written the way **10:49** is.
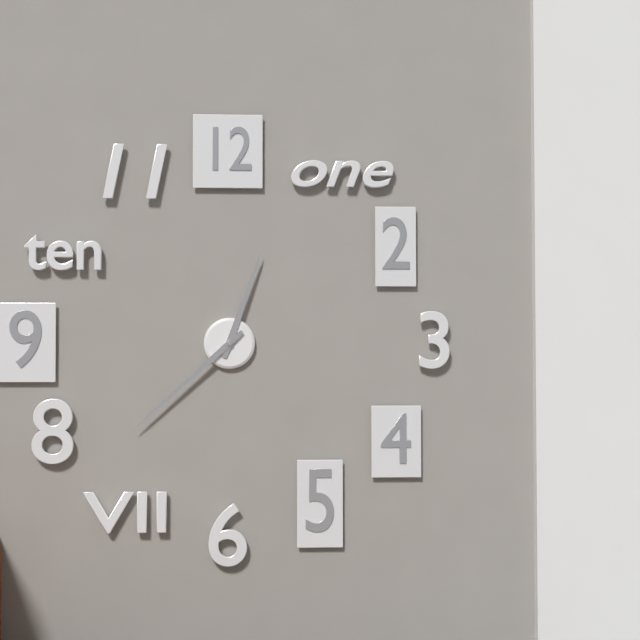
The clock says **12:38**
